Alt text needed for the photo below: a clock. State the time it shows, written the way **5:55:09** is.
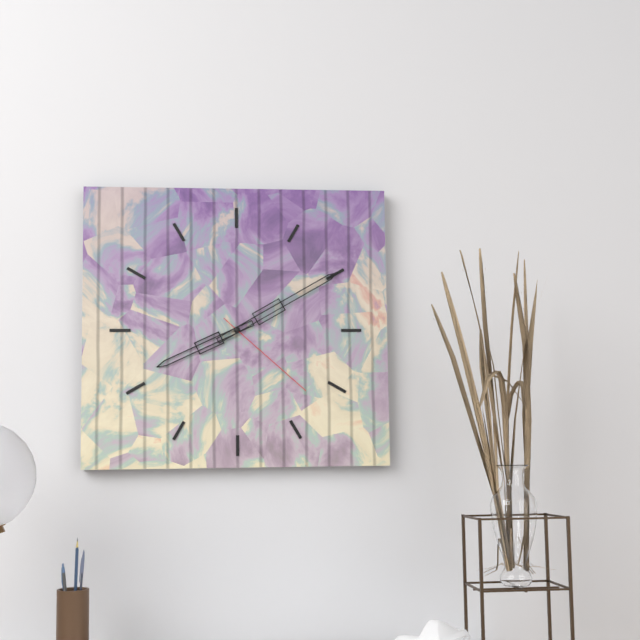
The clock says **8:10:22**
